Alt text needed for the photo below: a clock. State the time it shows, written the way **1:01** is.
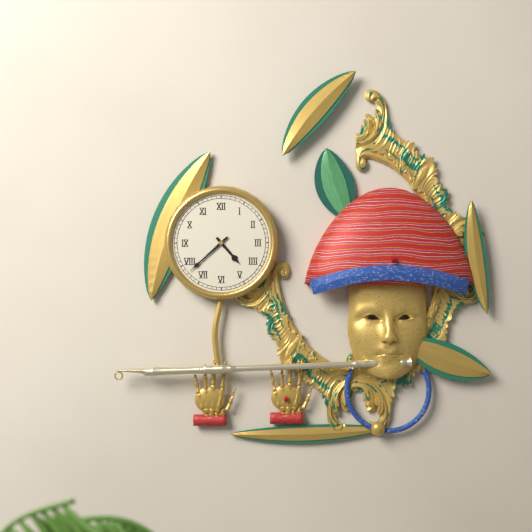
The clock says **4:38**
